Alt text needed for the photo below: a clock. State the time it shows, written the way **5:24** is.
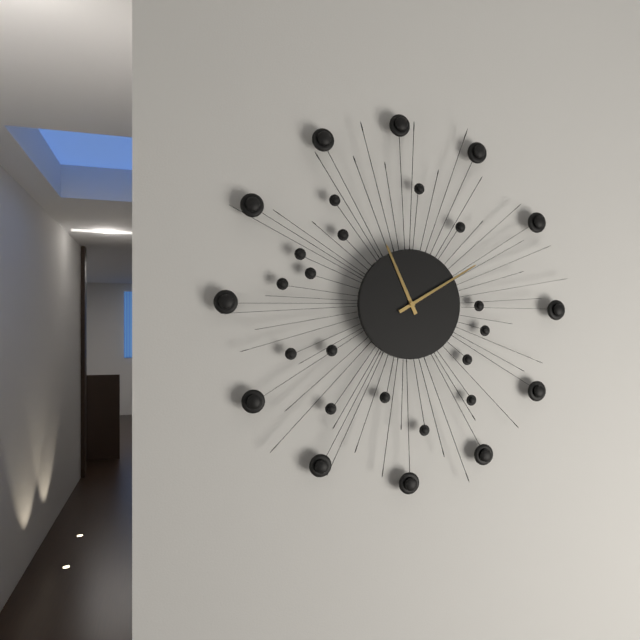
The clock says **11:10**
